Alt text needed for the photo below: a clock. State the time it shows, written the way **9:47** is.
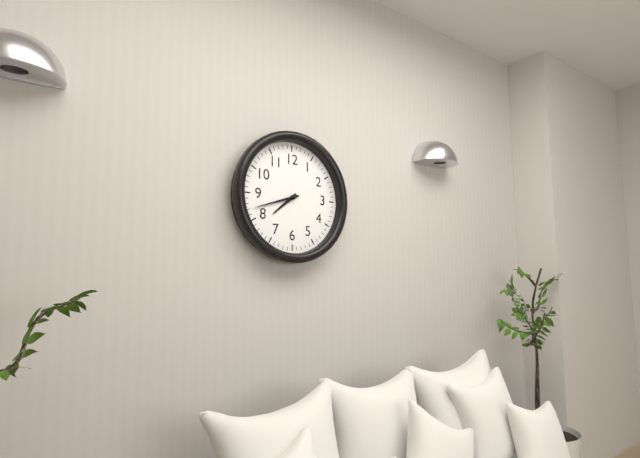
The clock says **7:42**
